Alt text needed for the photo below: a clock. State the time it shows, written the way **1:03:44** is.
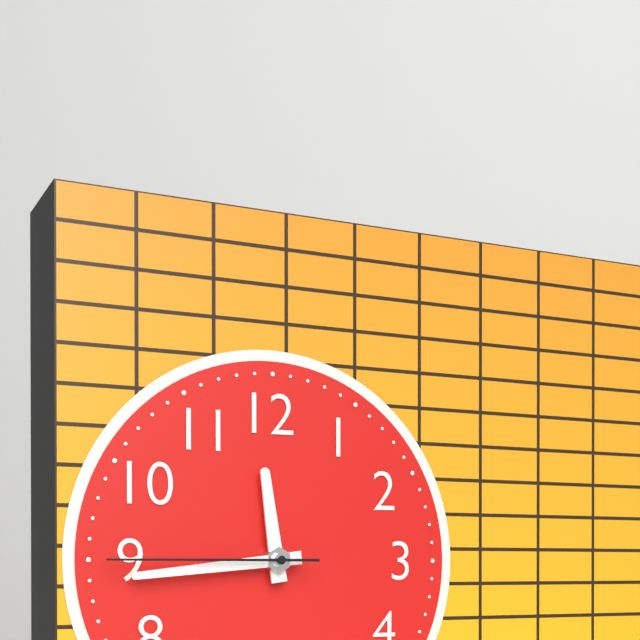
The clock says **11:44:45**
